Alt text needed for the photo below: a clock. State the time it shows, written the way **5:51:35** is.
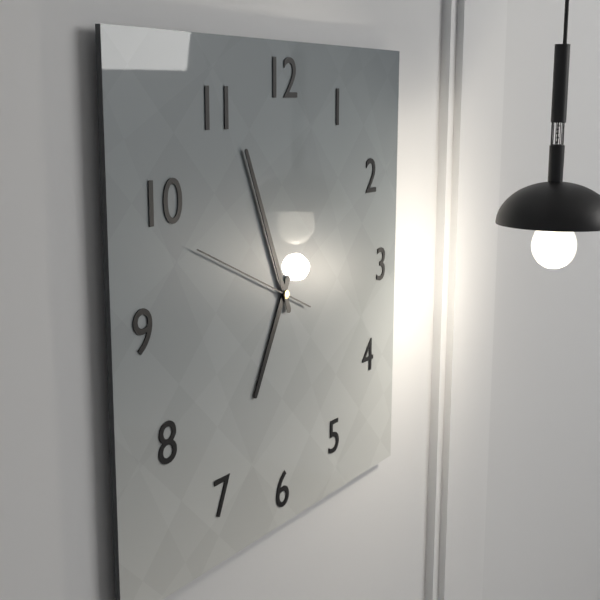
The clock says **6:56:49**
